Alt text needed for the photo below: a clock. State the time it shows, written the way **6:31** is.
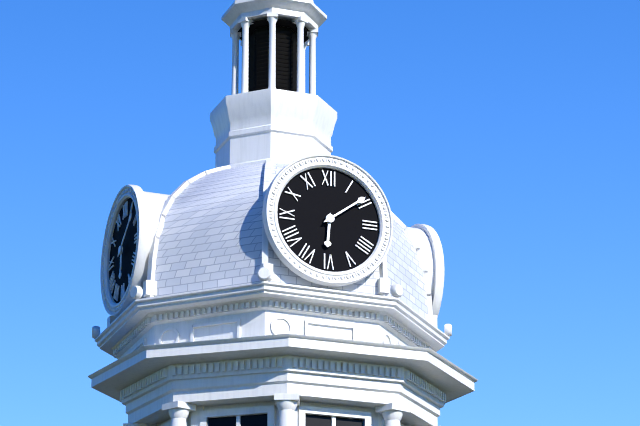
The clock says **6:09**
